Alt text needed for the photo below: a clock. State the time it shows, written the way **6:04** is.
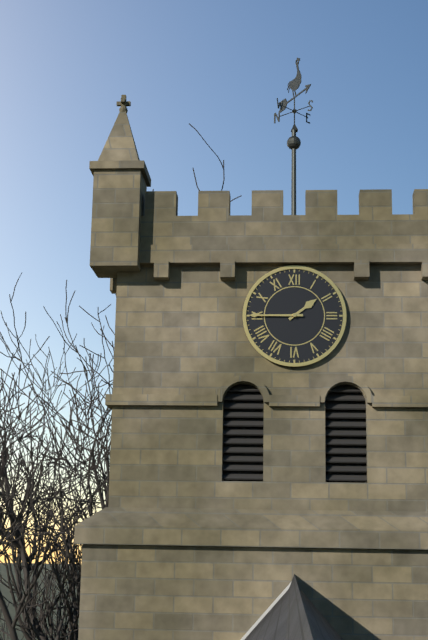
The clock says **1:45**
